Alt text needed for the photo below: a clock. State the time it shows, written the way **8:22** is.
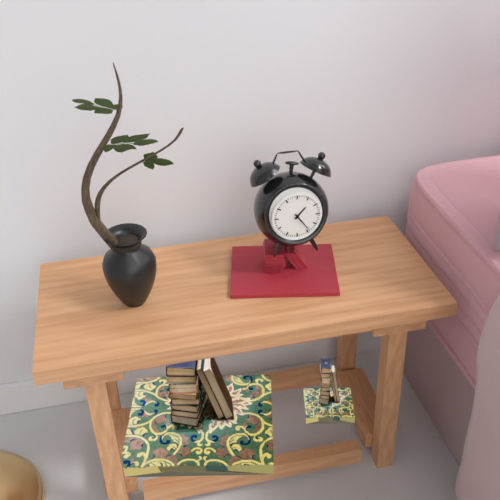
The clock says **1:24**
